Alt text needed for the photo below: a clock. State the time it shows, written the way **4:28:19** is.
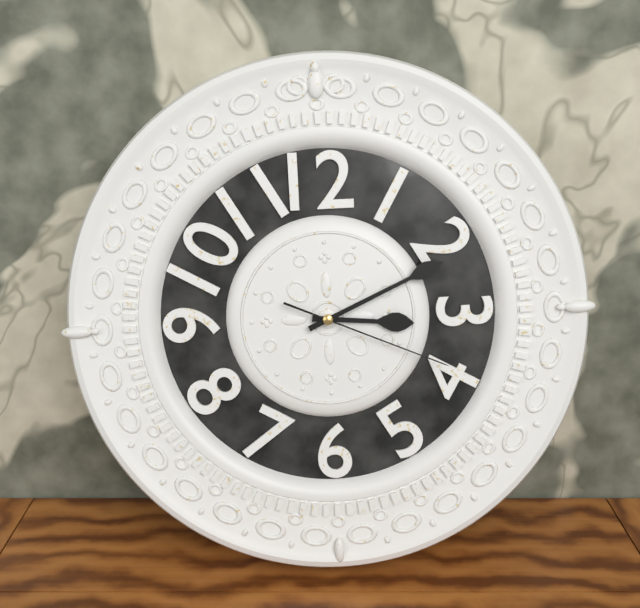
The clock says **3:11:19**
